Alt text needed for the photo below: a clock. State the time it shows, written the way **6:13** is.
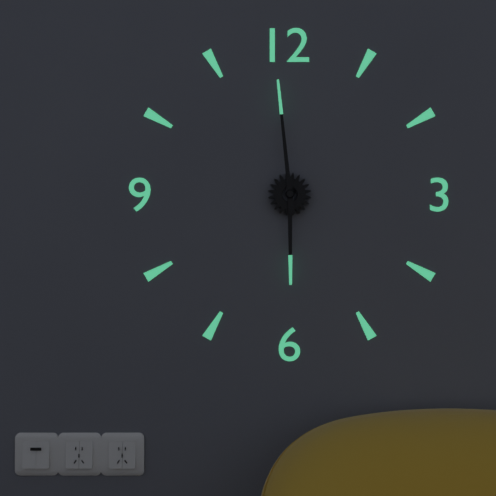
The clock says **5:59**
